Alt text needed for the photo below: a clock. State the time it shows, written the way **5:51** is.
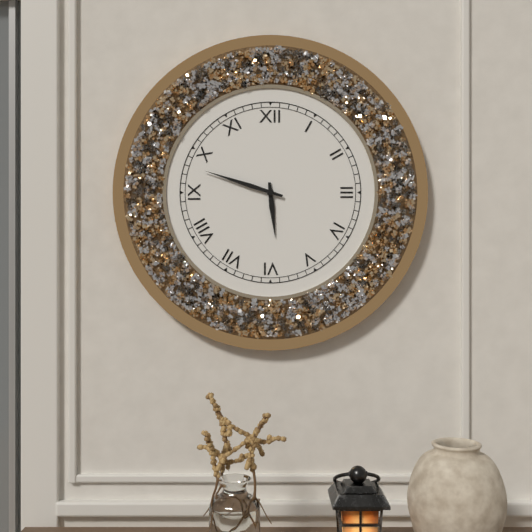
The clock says **5:48**
